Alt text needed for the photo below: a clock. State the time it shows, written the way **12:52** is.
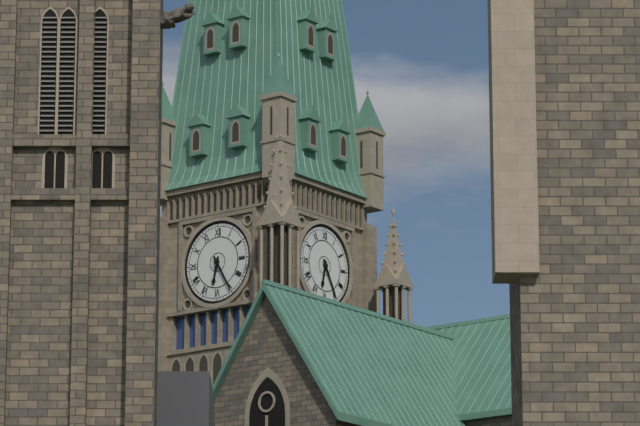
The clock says **6:25**
